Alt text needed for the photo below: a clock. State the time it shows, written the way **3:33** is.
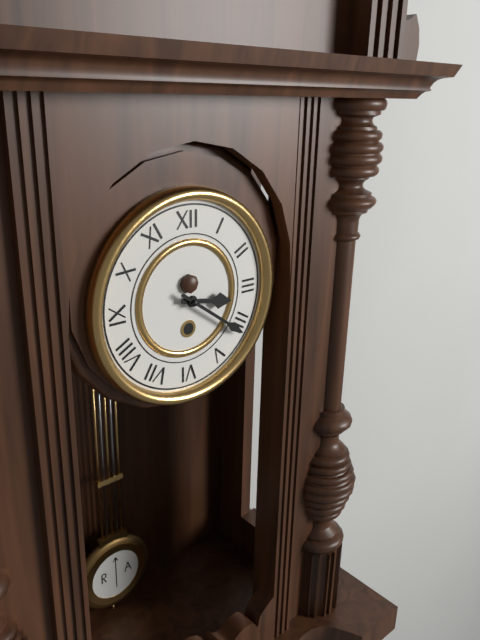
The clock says **3:21**
